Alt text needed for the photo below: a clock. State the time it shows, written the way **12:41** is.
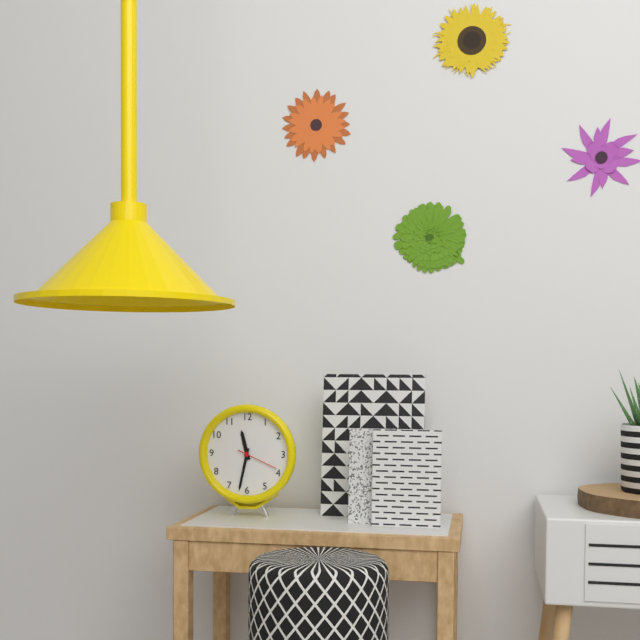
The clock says **11:32**
